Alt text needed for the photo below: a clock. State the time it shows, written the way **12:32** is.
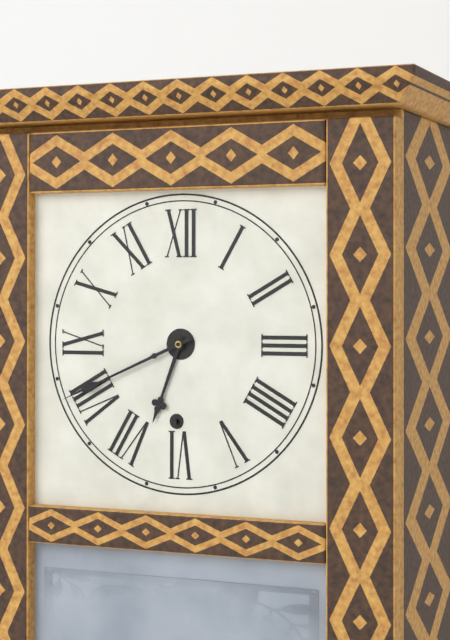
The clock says **6:41**
